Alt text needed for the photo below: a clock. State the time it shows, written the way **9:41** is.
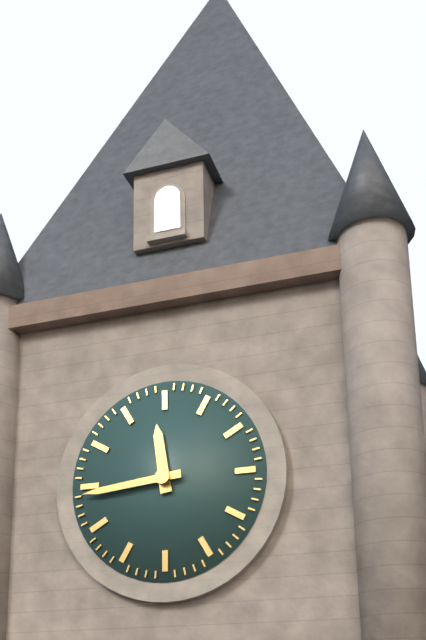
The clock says **11:44**
